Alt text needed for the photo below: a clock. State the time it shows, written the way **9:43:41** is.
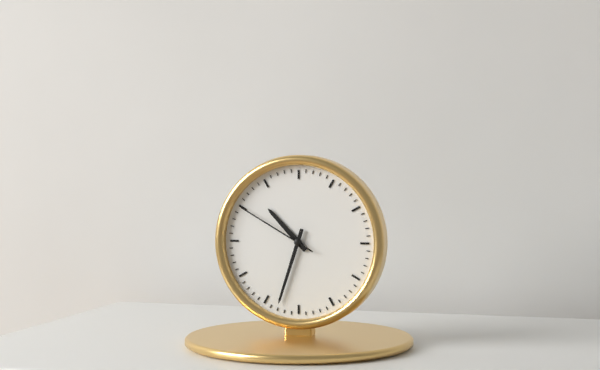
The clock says **10:33:50**
